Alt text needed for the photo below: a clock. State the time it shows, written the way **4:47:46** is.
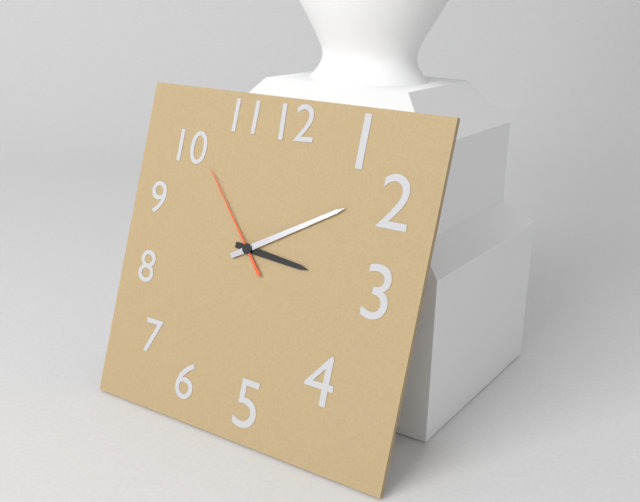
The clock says **3:10:53**
